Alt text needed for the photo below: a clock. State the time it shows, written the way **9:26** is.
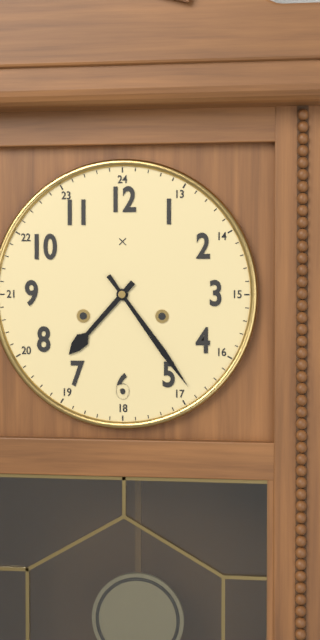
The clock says **7:24**
